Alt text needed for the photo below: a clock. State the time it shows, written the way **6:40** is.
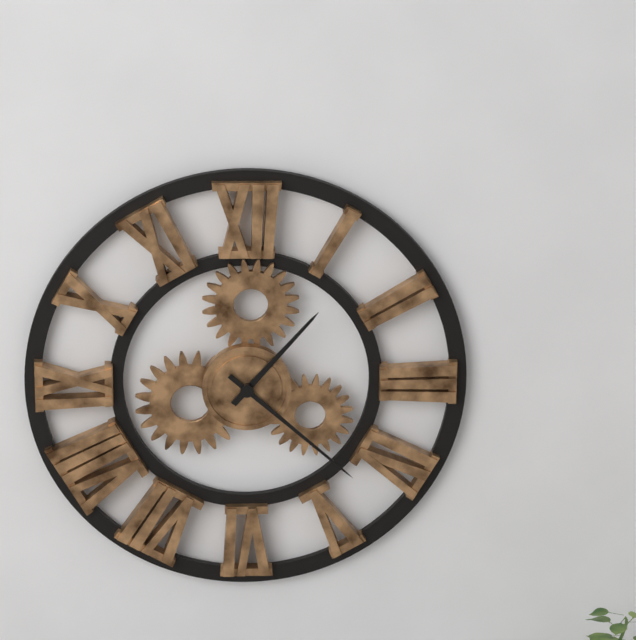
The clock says **1:22**
